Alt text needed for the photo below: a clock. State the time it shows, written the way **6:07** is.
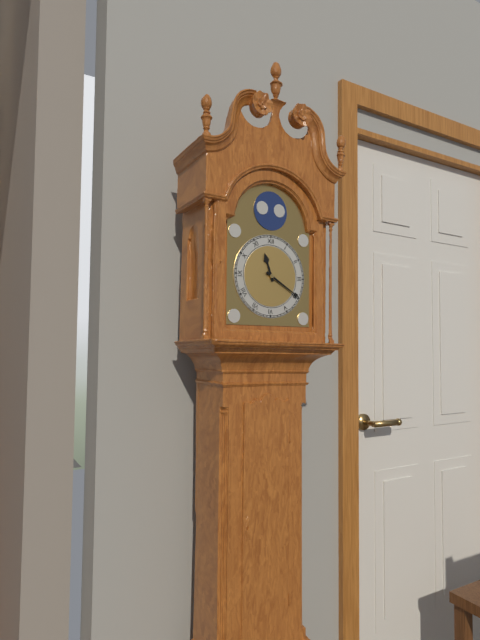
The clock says **11:20**
